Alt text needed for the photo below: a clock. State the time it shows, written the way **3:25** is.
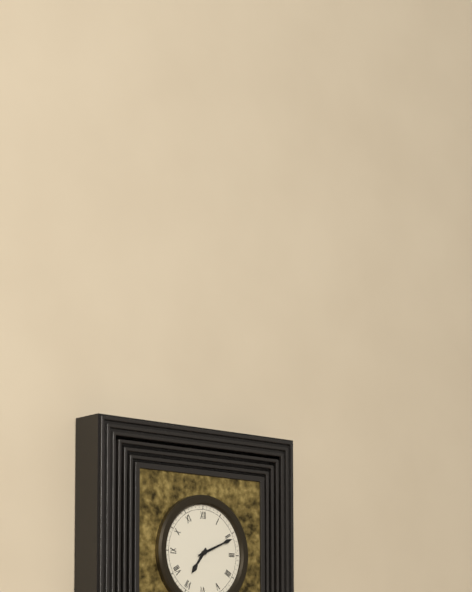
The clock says **7:11**
